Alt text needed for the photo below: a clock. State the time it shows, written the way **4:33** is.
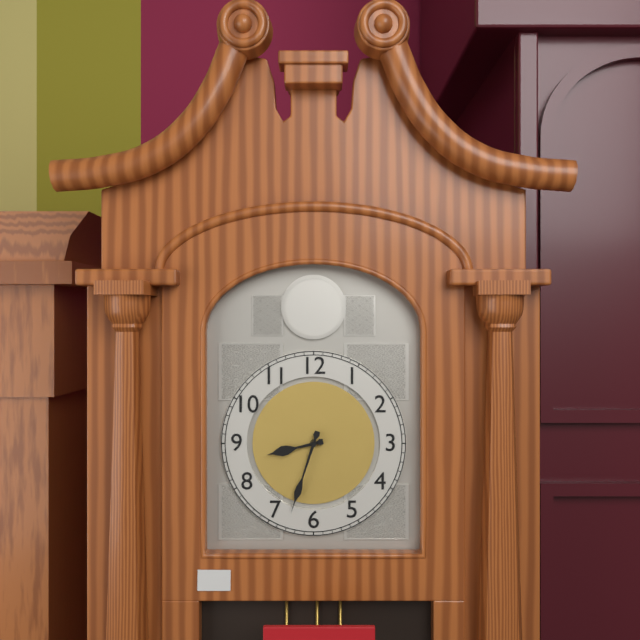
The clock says **8:33**
